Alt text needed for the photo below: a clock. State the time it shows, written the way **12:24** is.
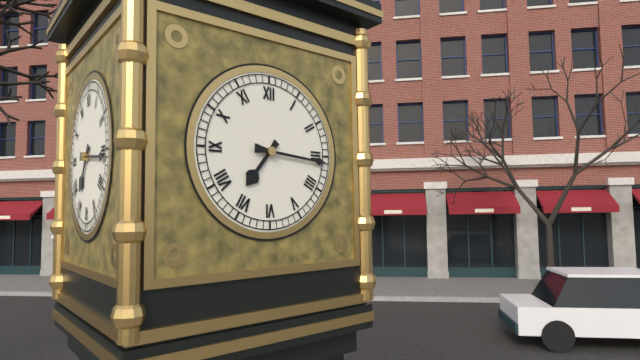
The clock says **7:16**
